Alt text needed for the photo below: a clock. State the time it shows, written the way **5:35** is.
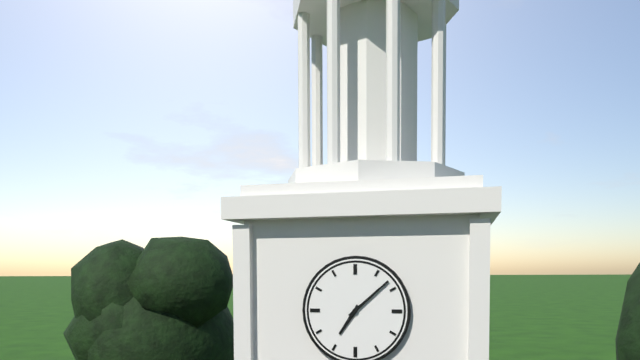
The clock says **7:08**
